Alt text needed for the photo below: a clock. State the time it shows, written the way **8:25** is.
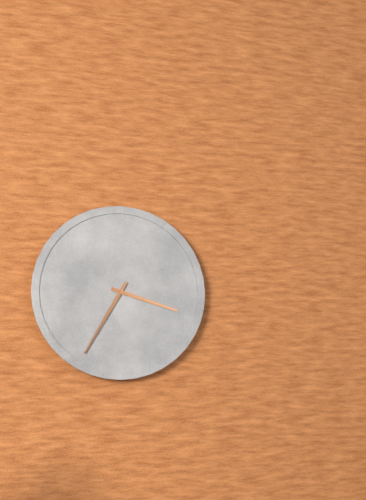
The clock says **3:35**
